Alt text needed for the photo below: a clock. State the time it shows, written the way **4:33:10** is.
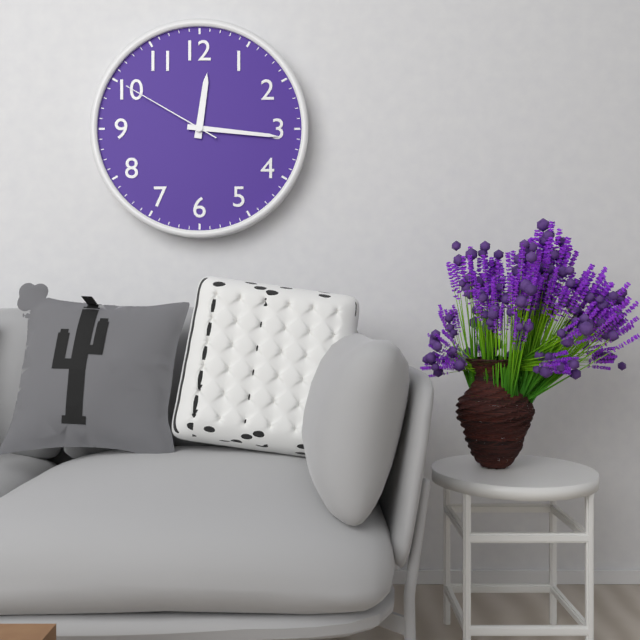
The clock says **12:16:50**
